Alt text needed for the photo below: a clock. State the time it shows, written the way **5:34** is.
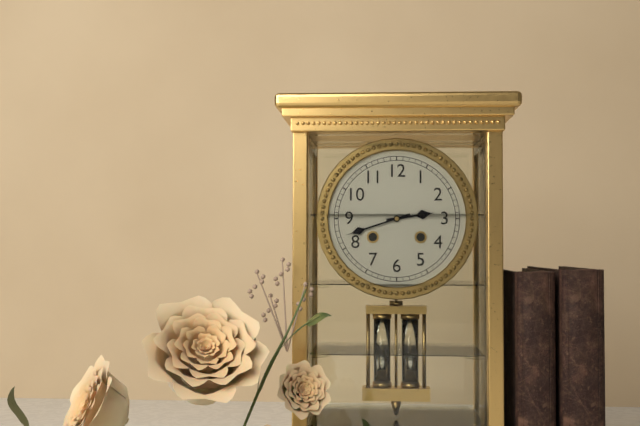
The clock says **2:42**
